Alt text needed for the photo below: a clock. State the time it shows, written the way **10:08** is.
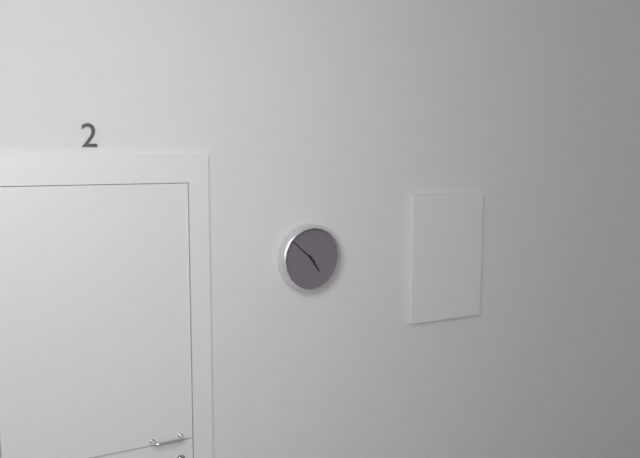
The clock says **4:52**
